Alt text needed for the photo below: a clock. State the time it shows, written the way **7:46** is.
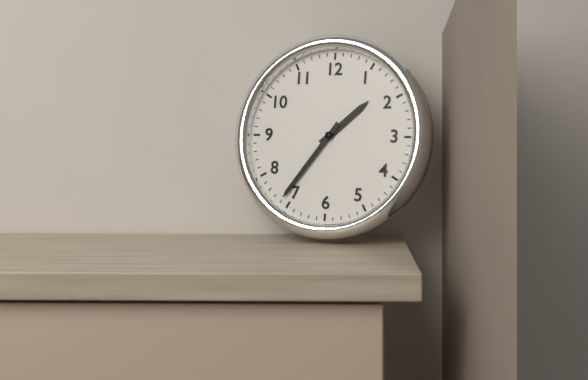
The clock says **1:36**
